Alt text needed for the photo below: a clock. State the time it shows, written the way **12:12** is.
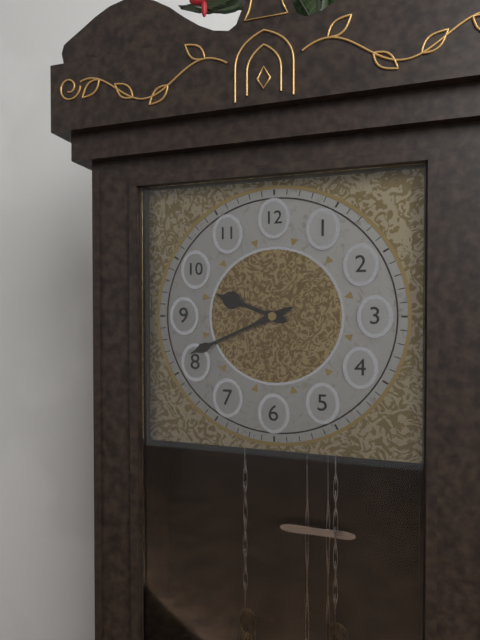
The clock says **9:41**
